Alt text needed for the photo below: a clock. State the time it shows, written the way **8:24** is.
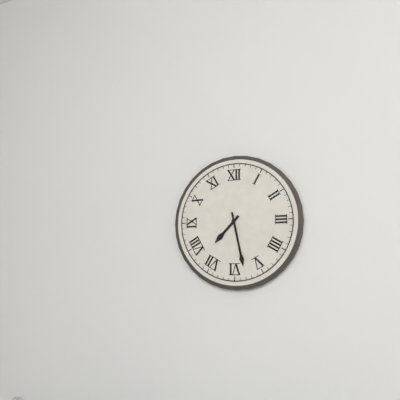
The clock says **7:28**
